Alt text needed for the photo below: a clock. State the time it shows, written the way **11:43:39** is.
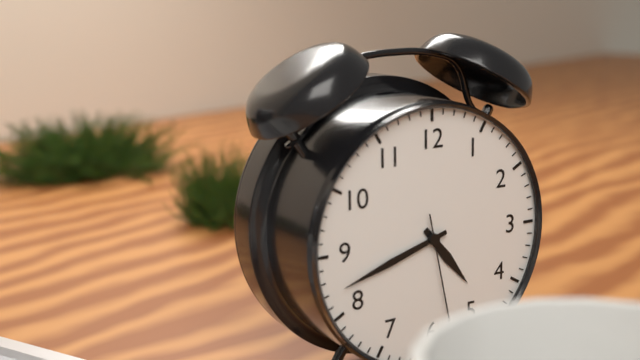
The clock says **4:42:28**
